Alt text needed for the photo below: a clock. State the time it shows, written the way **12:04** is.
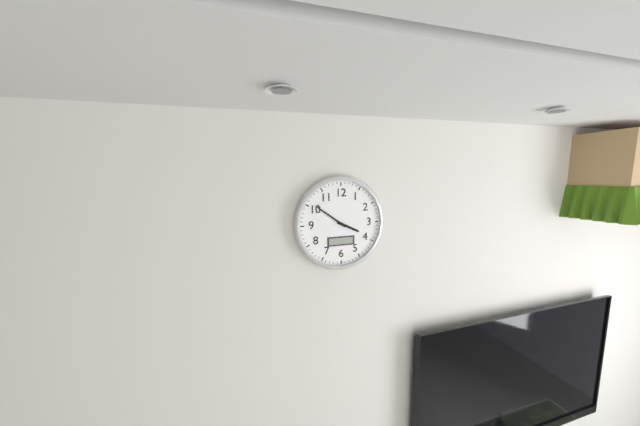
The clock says **3:51**
